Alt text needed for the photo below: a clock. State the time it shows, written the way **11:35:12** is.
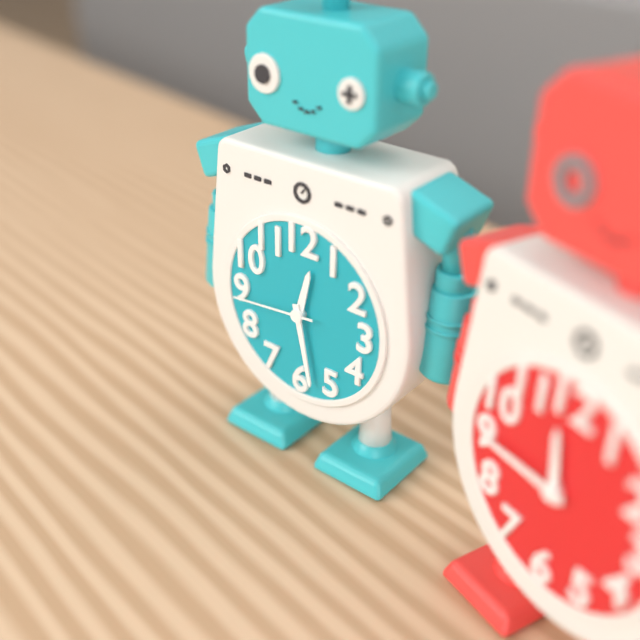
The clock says **12:28:44**
